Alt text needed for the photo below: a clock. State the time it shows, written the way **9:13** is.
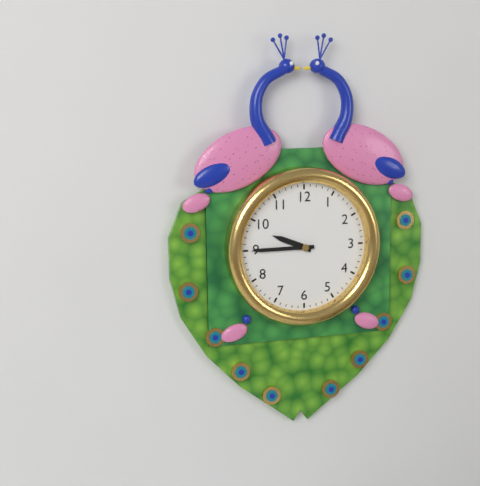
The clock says **9:45**
